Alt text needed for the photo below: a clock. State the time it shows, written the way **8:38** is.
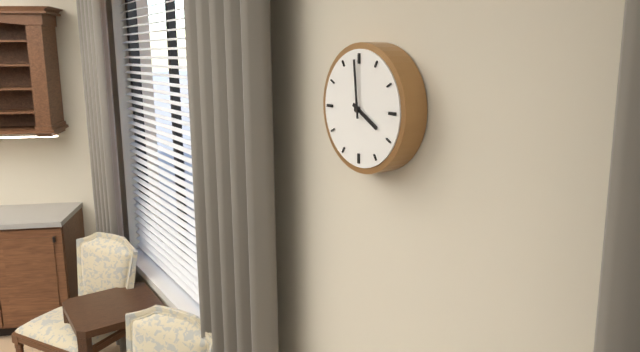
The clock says **3:59**
